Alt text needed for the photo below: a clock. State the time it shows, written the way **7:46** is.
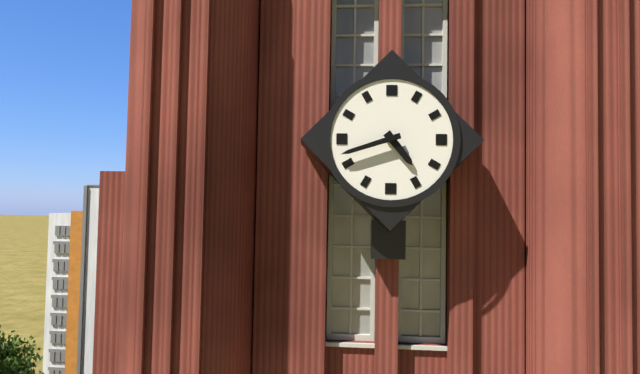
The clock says **4:42**
